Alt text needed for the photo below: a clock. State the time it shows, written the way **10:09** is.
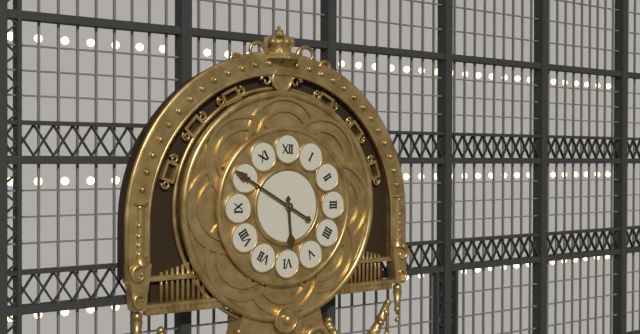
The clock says **5:50**
